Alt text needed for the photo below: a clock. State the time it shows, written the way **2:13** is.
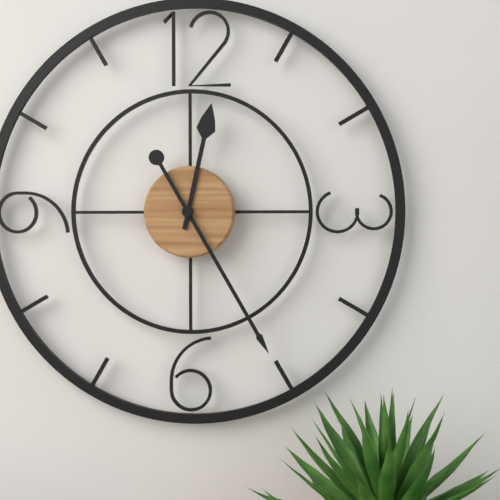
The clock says **12:25**
